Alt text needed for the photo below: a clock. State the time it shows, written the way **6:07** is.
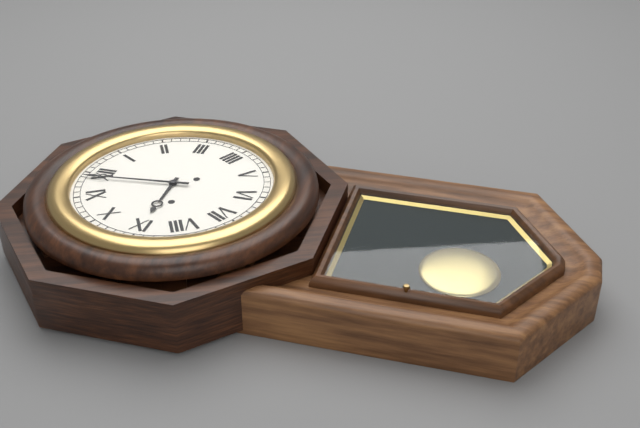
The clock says **8:59**
